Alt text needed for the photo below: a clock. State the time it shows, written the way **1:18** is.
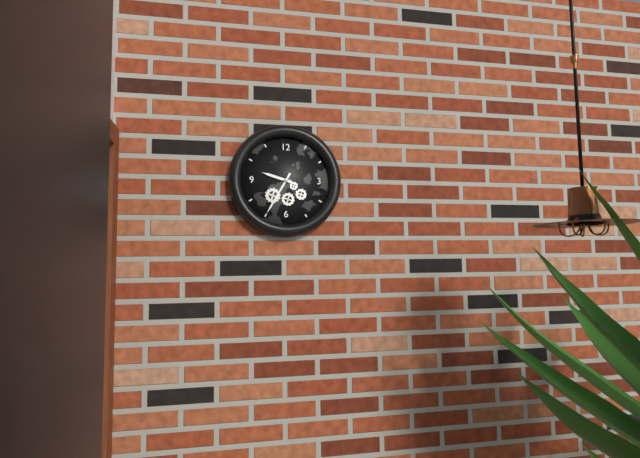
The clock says **9:35**
